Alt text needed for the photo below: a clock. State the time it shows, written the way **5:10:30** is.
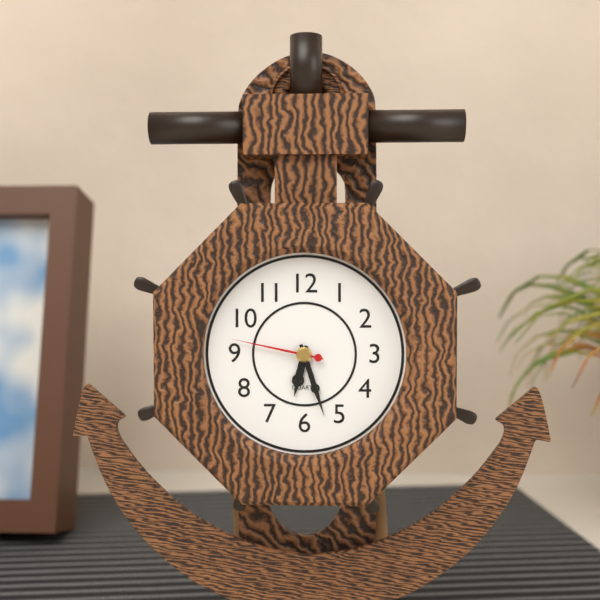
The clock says **6:27:47**
